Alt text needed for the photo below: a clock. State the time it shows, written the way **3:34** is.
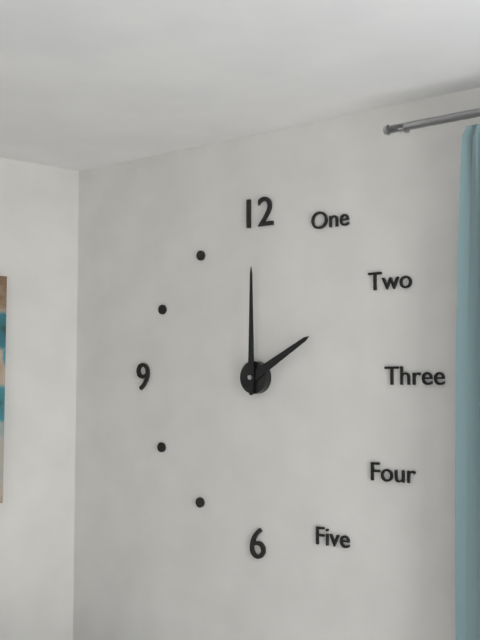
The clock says **2:00**
